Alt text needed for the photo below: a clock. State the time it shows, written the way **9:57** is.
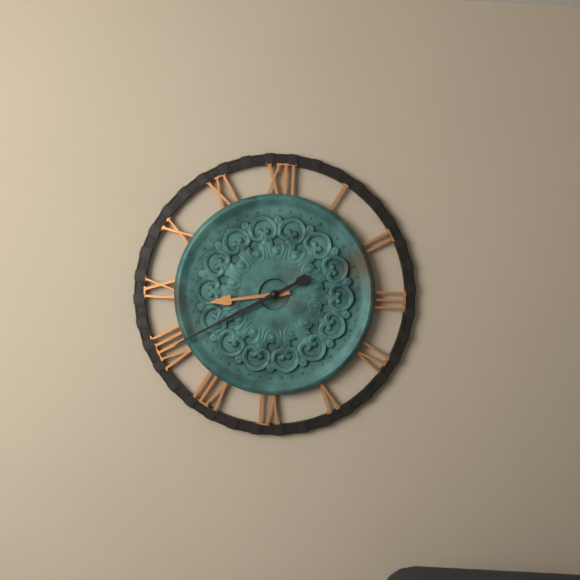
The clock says **8:40**
